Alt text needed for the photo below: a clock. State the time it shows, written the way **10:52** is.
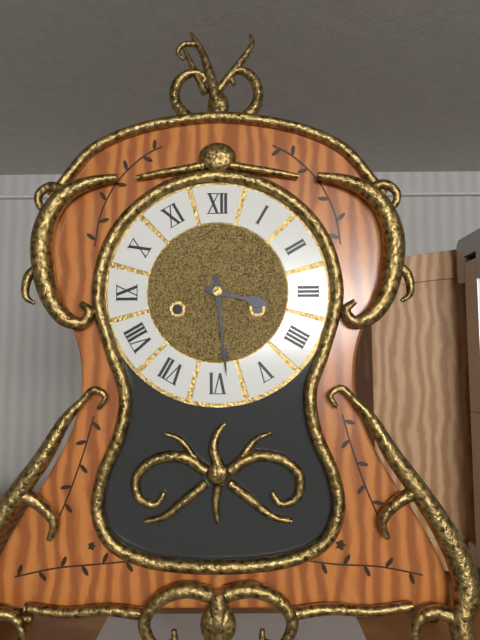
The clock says **3:29**
